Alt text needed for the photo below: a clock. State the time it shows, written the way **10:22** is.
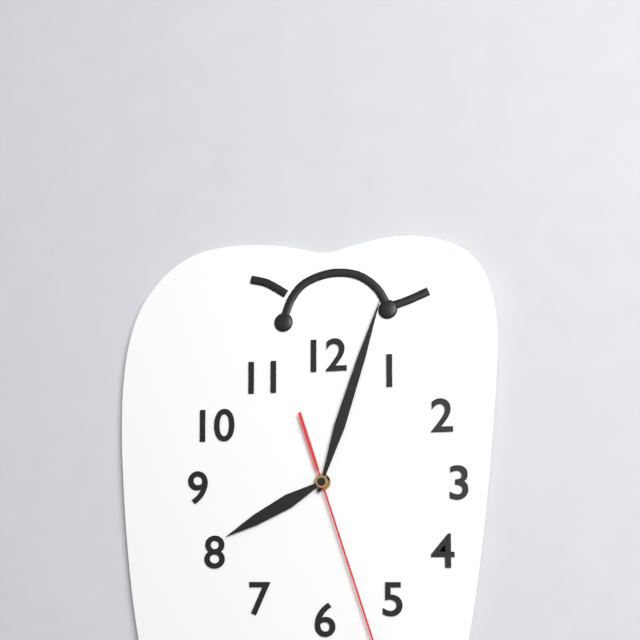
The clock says **8:03**
